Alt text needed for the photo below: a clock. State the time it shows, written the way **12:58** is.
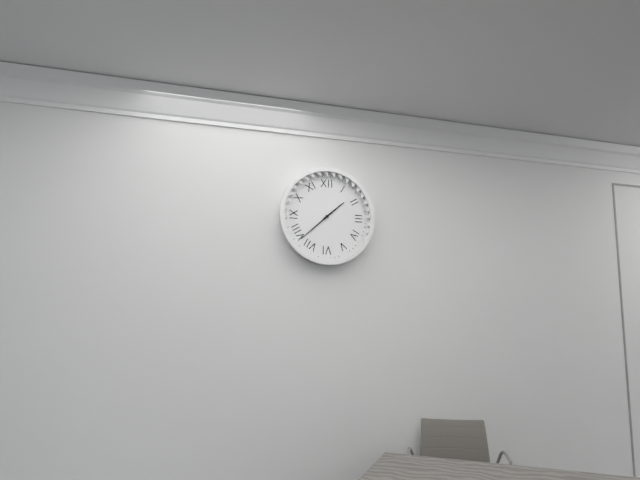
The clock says **1:38**
